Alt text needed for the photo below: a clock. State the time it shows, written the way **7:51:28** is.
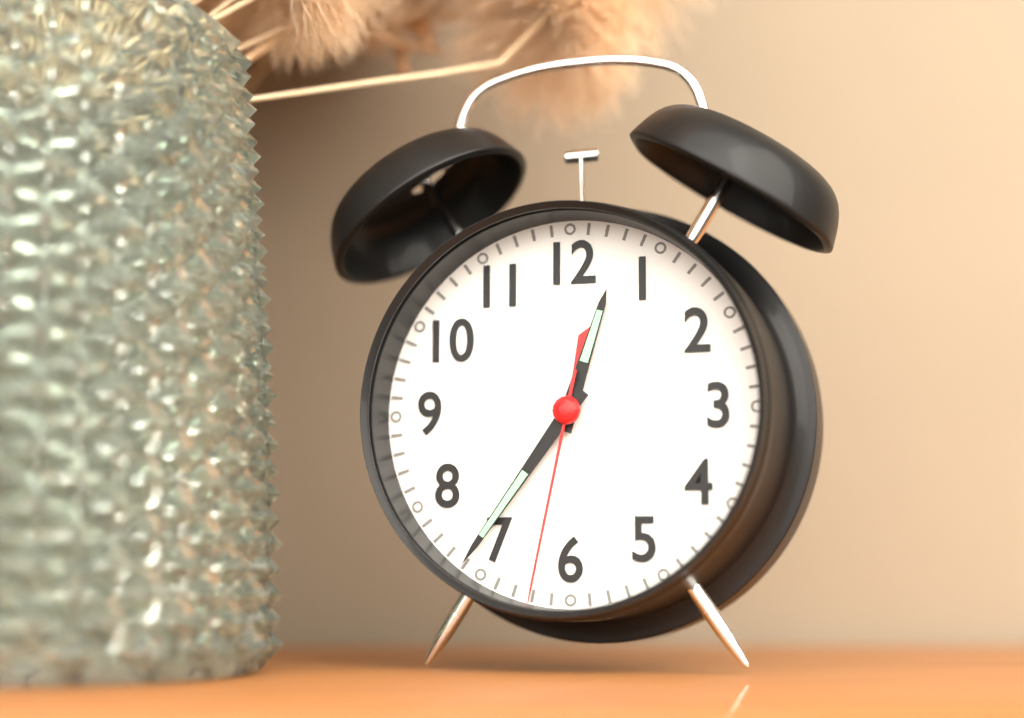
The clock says **12:36:32**
